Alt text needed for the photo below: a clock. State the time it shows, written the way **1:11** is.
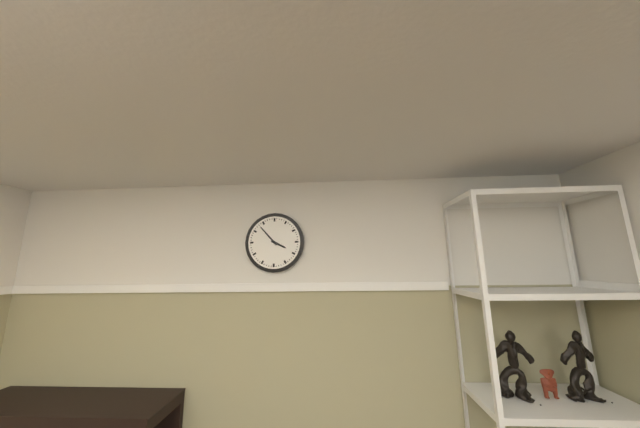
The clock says **3:53**
